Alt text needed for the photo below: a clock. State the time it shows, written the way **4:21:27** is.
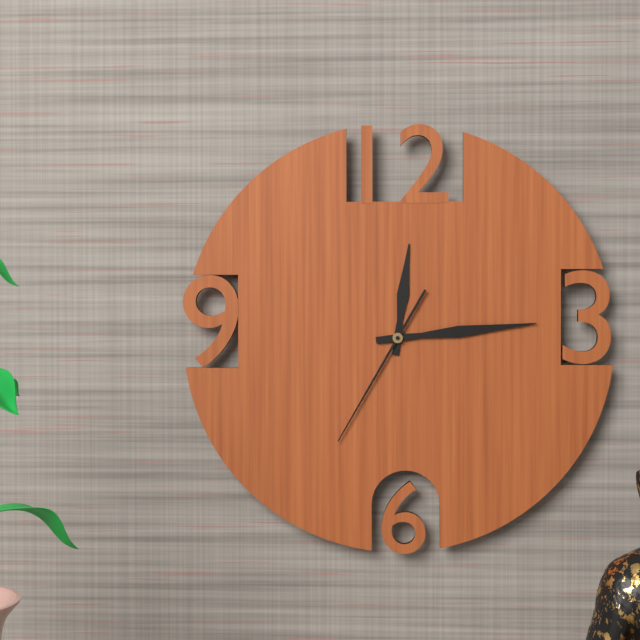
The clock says **12:14:35**
